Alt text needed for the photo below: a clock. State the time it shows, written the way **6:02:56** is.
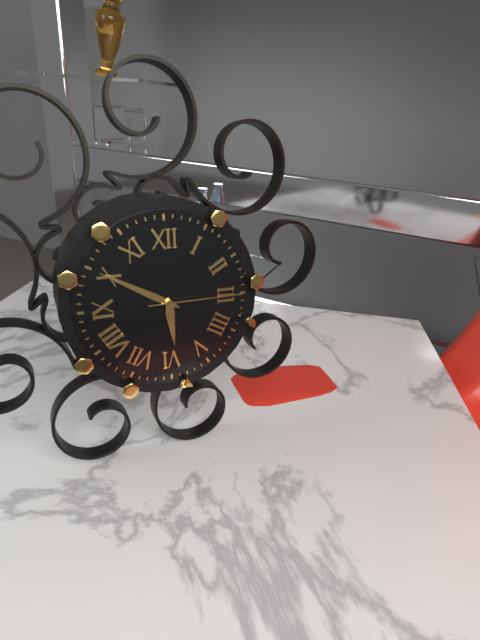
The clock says **5:50:15**
